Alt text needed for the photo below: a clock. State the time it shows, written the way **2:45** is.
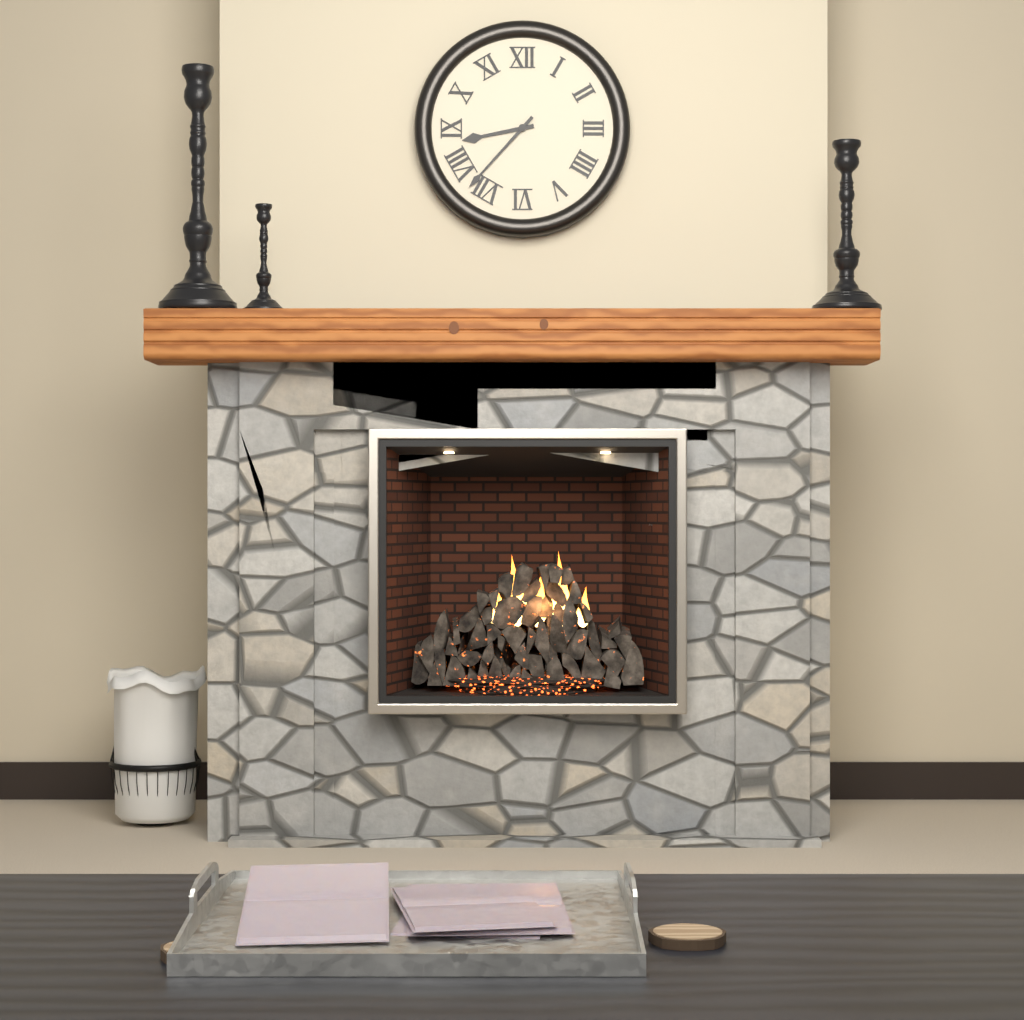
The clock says **8:37**
